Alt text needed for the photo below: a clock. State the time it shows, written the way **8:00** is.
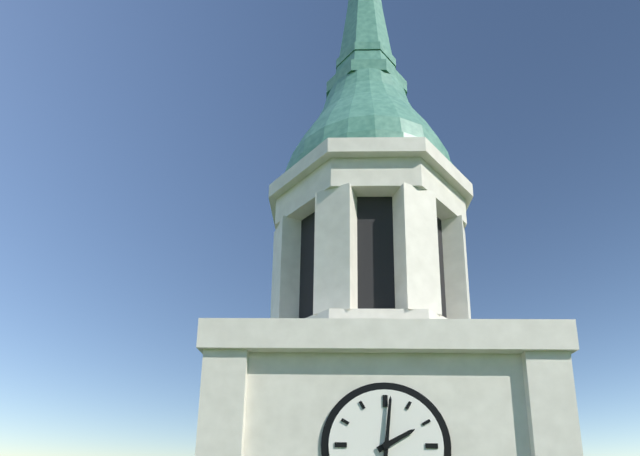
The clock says **2:01**
